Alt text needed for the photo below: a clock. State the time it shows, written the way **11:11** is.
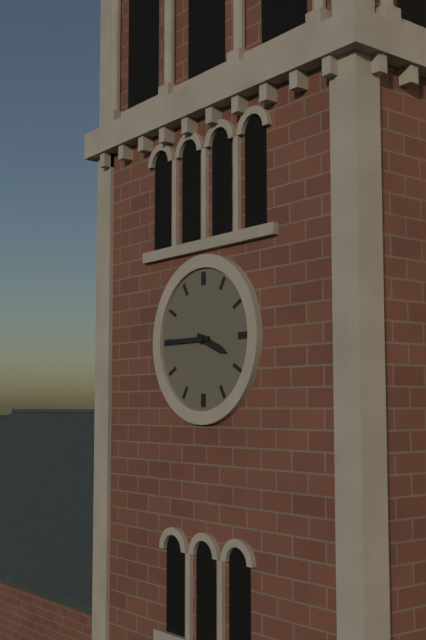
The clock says **3:45**
